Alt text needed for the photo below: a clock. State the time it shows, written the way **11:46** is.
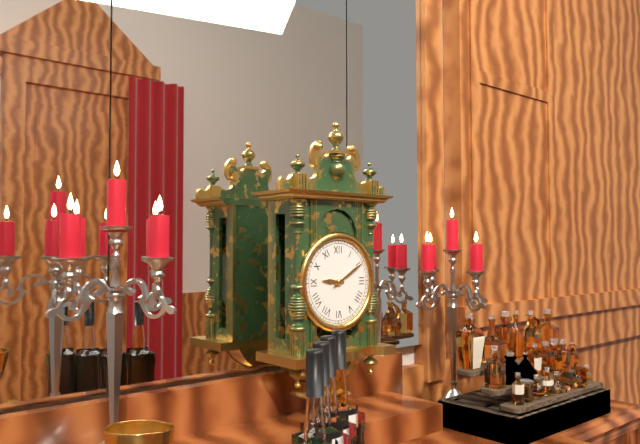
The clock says **9:10**
